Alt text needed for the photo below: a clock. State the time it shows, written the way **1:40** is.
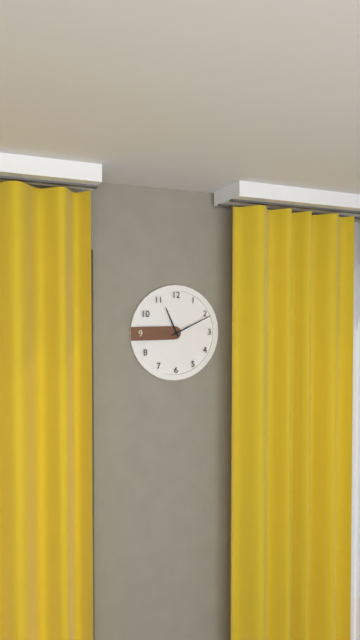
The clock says **11:11**
